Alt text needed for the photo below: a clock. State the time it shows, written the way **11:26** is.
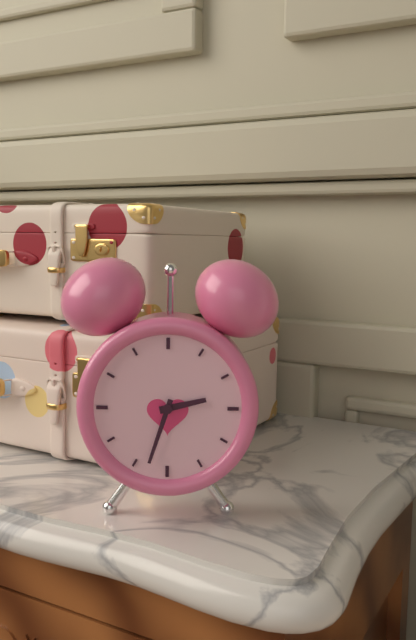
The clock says **2:33**
